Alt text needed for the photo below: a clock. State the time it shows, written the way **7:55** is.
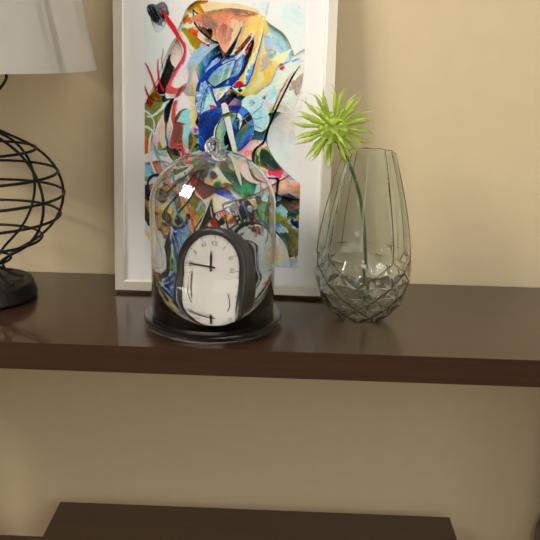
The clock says **11:45**
